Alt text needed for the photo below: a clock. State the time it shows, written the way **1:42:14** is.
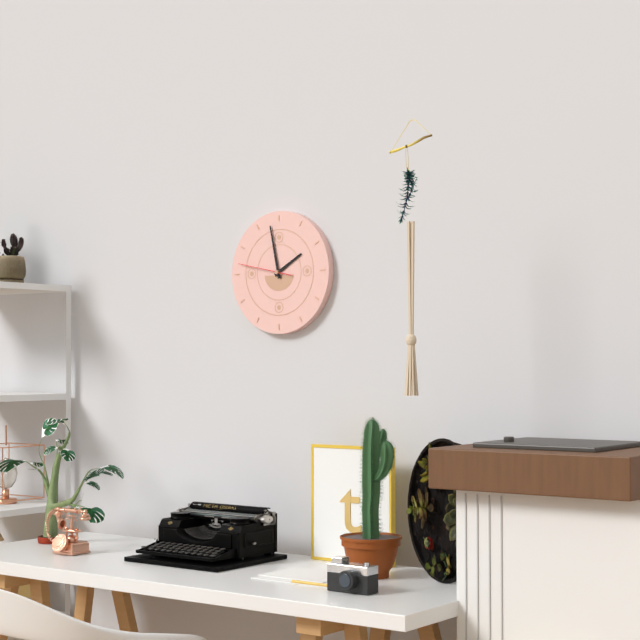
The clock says **1:58:47**
